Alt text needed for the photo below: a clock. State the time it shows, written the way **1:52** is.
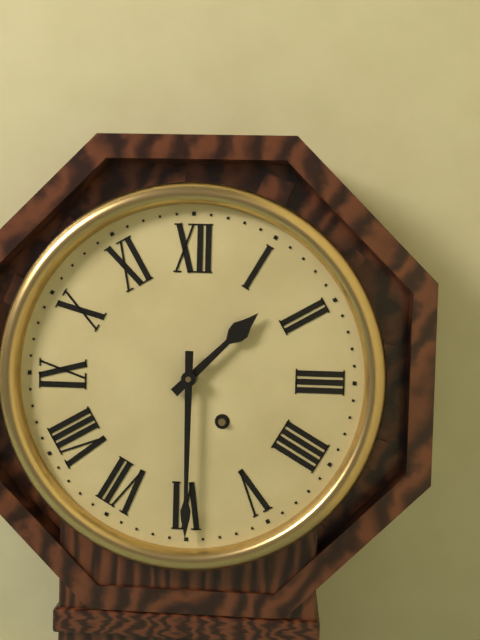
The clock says **1:30**
